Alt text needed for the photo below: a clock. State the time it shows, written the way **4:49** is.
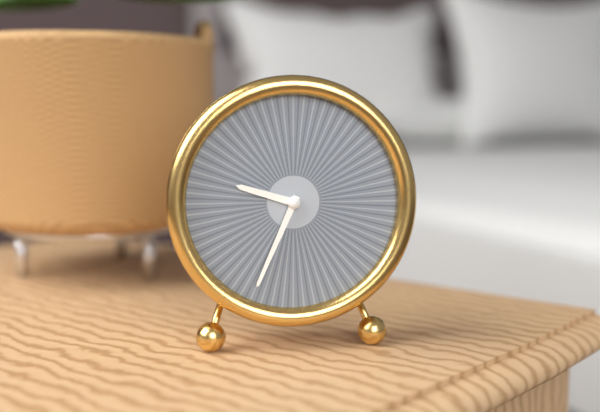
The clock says **9:34**
